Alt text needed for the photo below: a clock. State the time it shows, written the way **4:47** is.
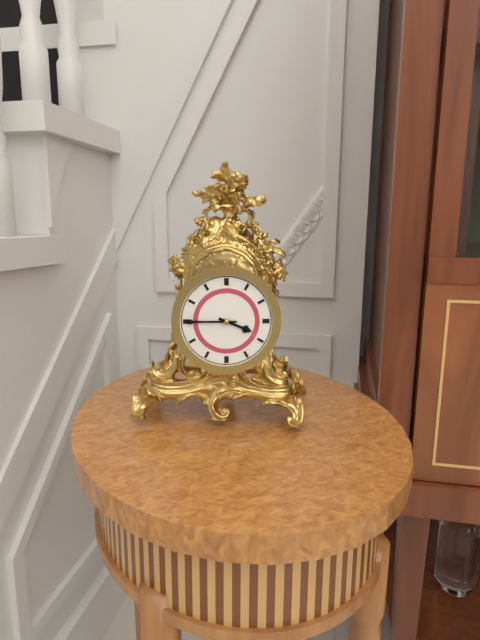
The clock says **3:45**
